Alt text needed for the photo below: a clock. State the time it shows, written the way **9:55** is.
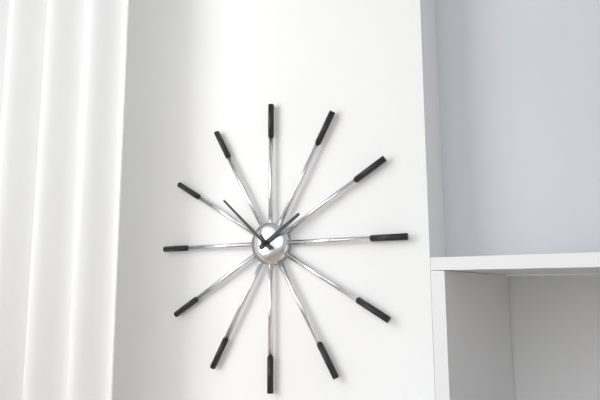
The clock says **1:52**
